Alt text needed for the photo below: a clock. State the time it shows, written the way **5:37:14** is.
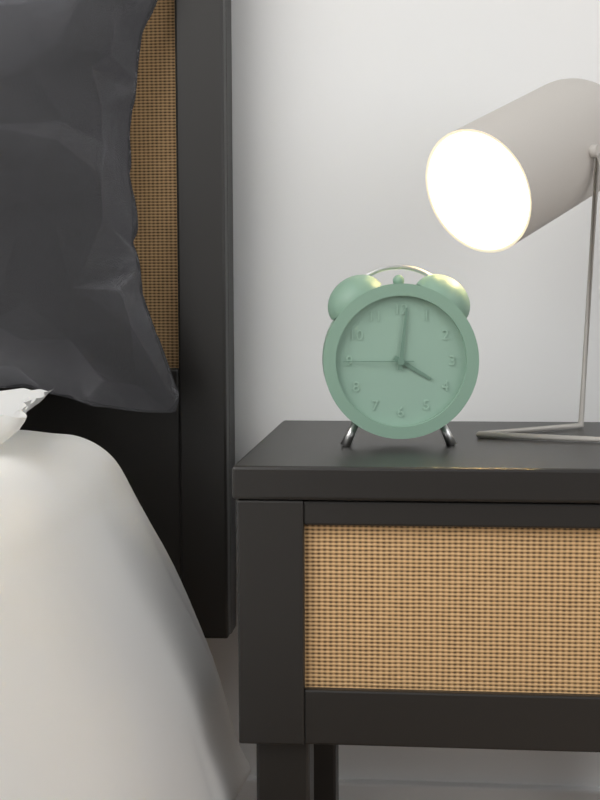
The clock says **4:01:45**
